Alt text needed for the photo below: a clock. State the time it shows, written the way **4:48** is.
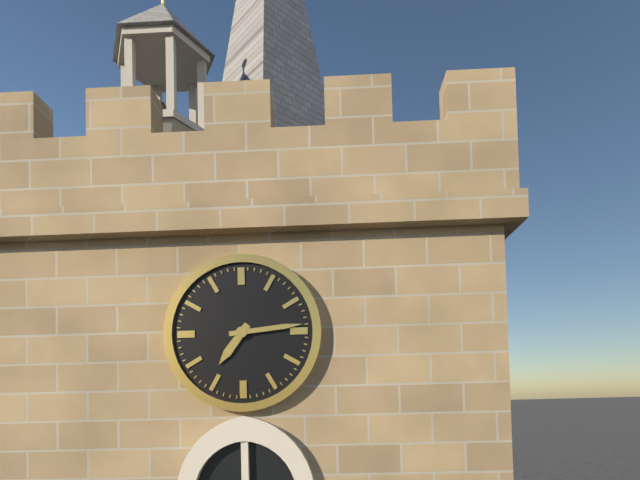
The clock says **7:14**
